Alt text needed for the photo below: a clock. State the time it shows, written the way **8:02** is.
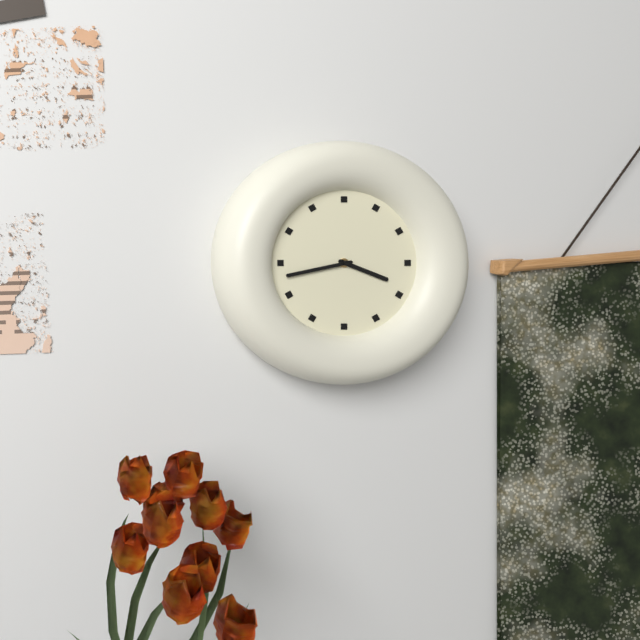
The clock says **3:43**
